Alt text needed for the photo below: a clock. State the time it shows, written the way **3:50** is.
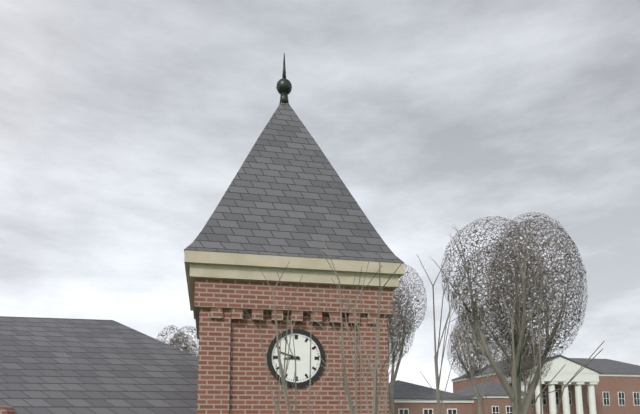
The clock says **8:48**
